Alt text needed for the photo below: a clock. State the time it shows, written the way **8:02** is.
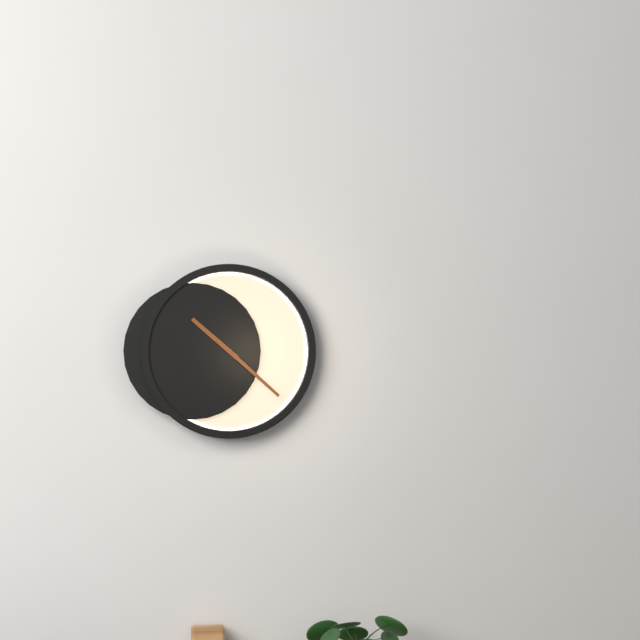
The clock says **10:22**
